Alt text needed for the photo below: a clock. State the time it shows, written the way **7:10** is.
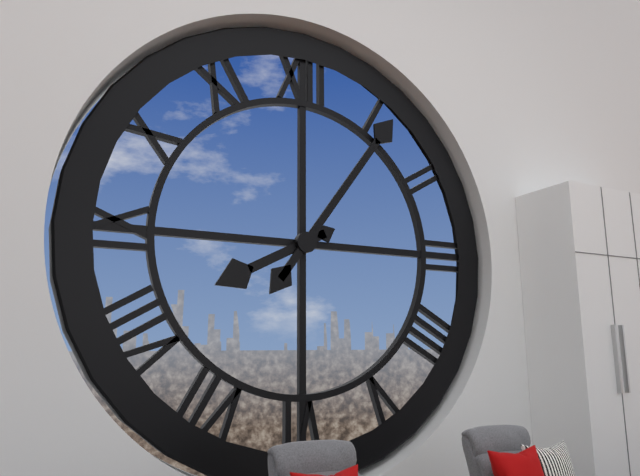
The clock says **8:06**
